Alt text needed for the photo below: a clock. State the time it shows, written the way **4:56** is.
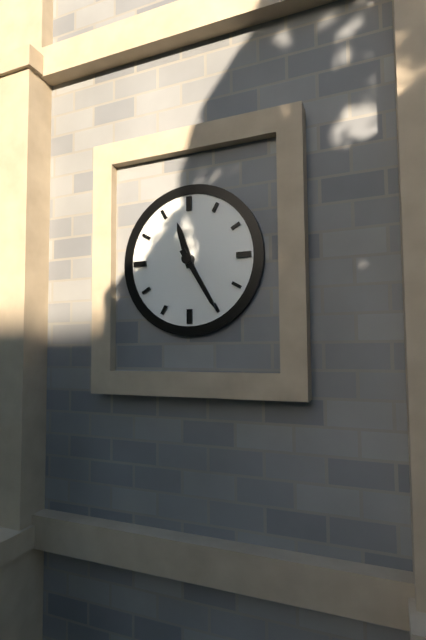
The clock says **11:25**
